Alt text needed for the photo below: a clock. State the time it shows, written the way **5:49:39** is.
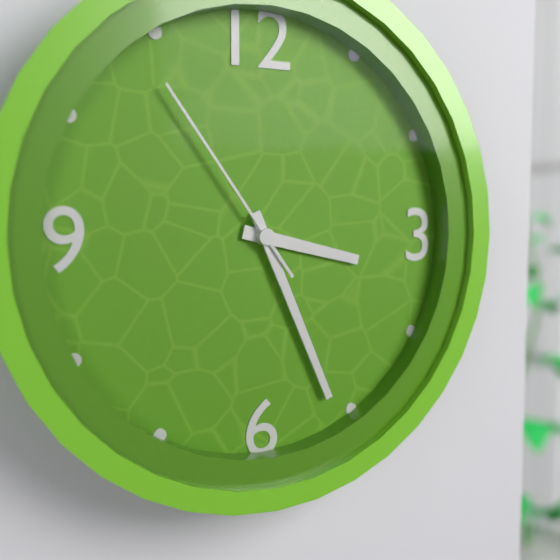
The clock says **3:26:54**
